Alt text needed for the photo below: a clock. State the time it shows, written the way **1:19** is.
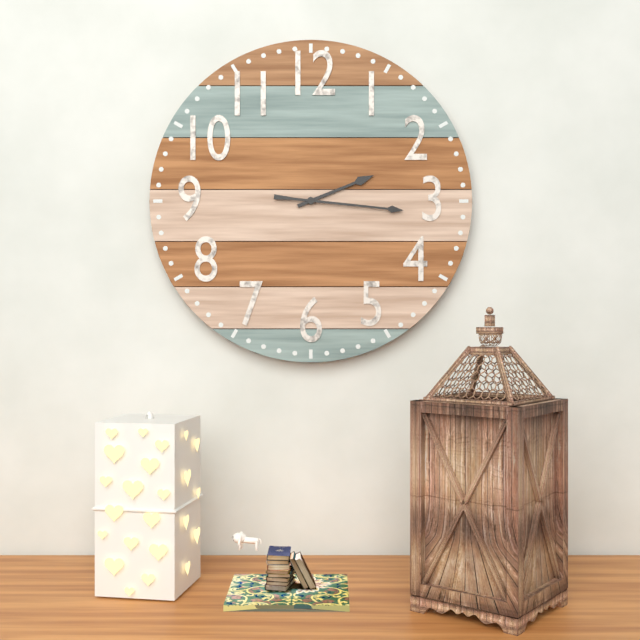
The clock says **2:16**
